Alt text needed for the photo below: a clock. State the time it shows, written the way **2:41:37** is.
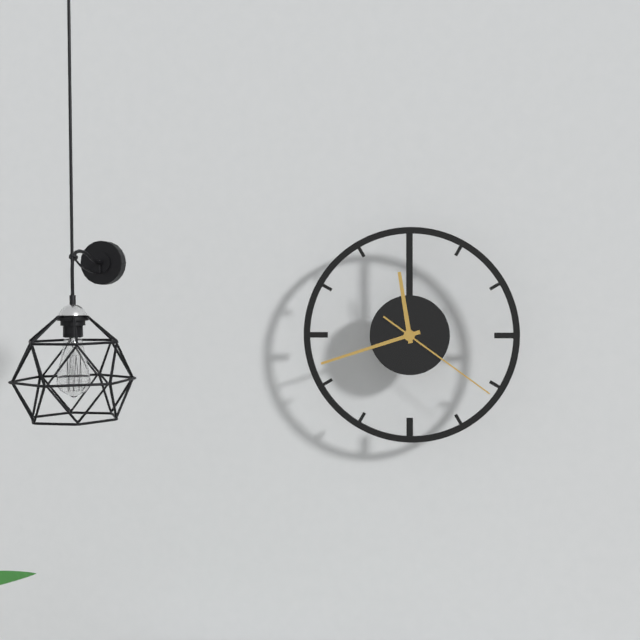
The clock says **11:42:21**
